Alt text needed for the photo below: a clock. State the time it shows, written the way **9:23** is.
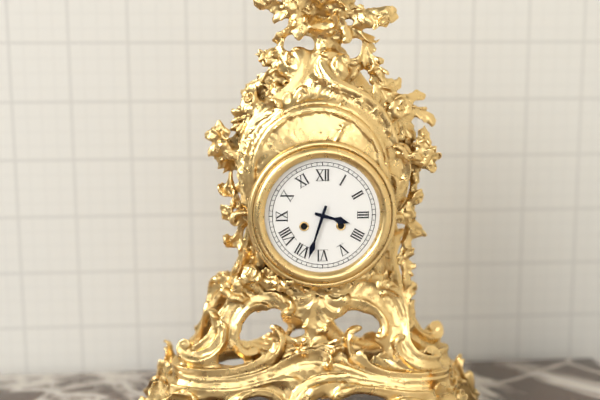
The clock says **3:33**
